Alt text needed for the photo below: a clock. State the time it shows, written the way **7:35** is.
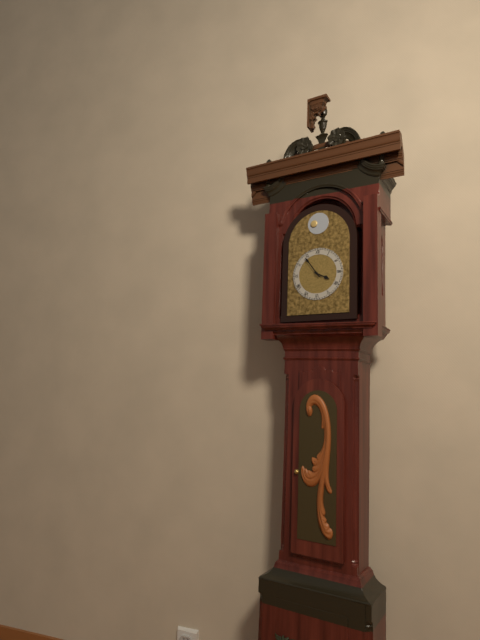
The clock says **3:54**
